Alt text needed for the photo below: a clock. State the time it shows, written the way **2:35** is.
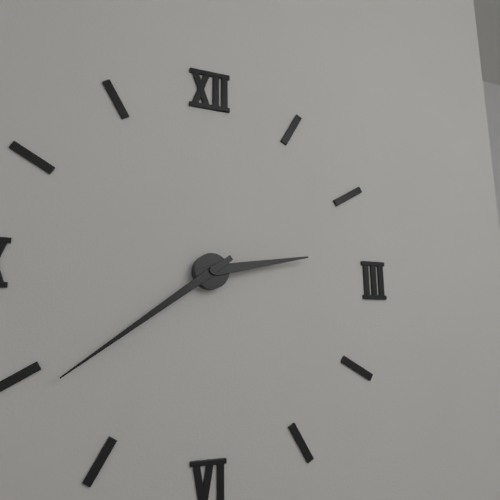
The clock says **2:39**
